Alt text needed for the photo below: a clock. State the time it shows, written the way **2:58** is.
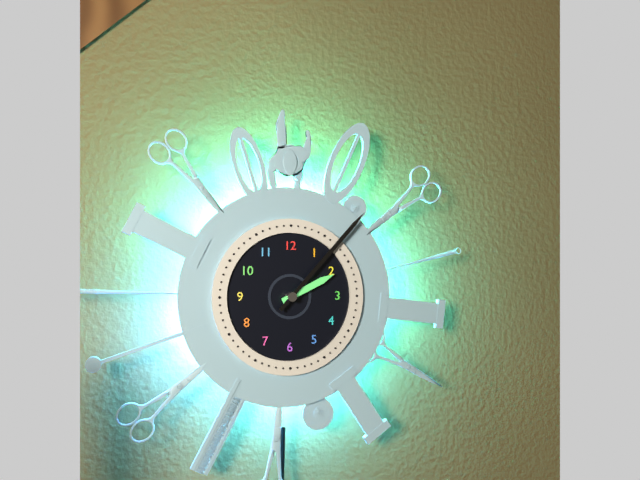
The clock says **2:07**
